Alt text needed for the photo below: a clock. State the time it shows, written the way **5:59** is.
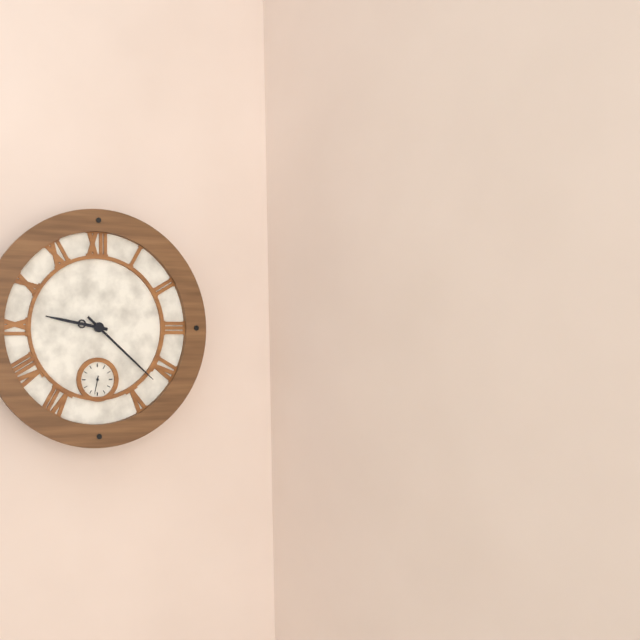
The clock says **9:22**
